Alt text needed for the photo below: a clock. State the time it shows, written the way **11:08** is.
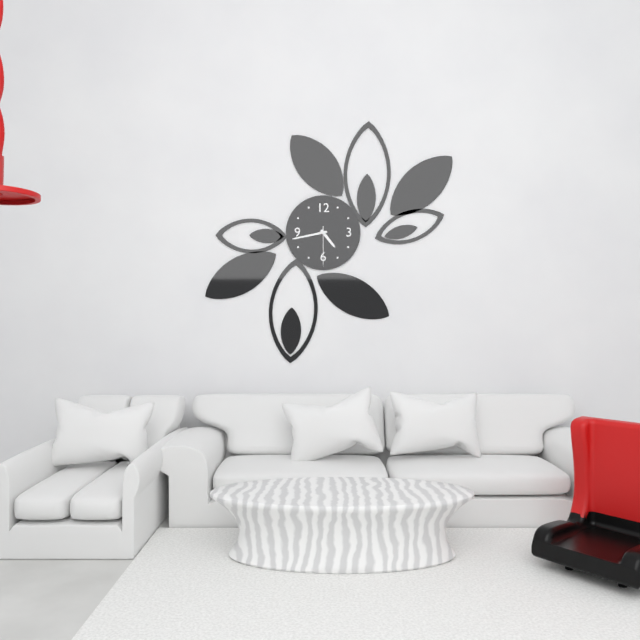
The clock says **4:43**
